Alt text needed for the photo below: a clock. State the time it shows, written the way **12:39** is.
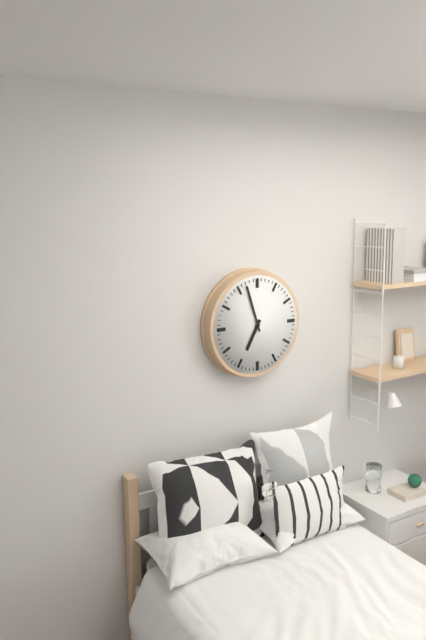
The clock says **6:57**
